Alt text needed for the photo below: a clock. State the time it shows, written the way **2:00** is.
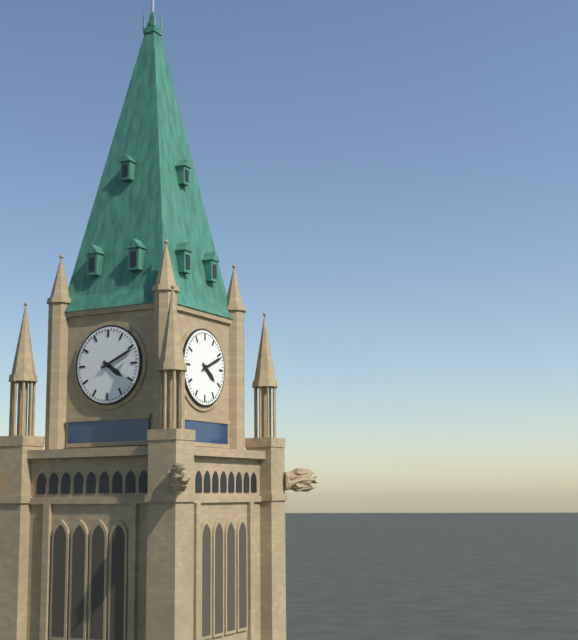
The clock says **4:11**
